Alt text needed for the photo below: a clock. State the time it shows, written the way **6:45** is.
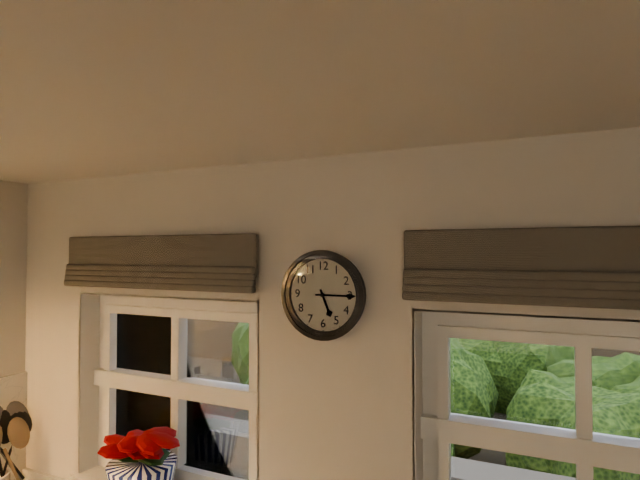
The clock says **5:15**
